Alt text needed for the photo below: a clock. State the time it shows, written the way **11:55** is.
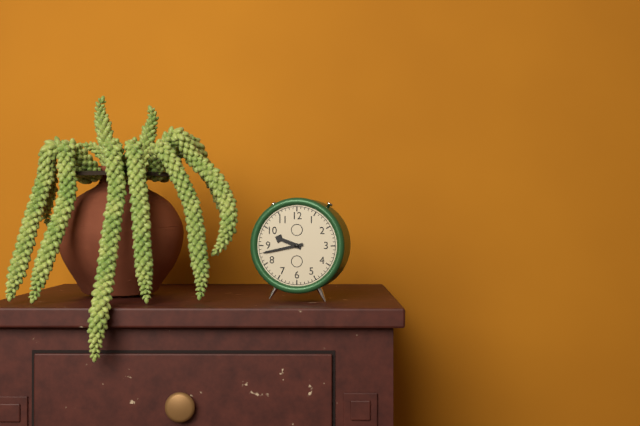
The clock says **9:43**
